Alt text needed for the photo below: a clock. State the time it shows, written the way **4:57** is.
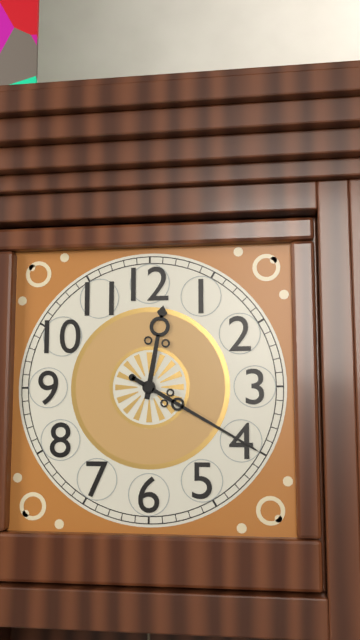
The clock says **12:20**
